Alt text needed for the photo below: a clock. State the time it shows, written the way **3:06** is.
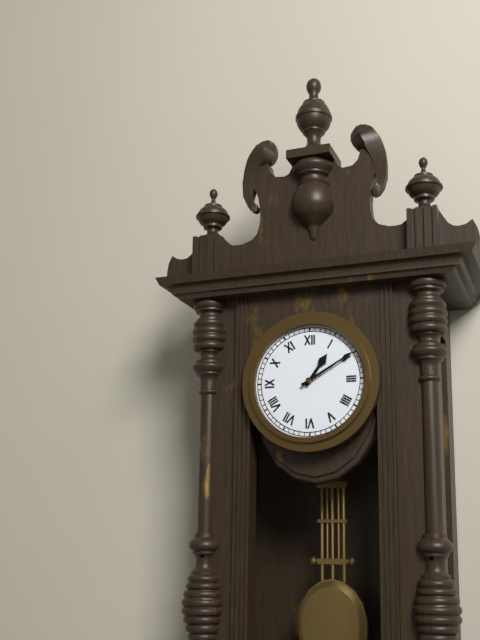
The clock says **1:10**
